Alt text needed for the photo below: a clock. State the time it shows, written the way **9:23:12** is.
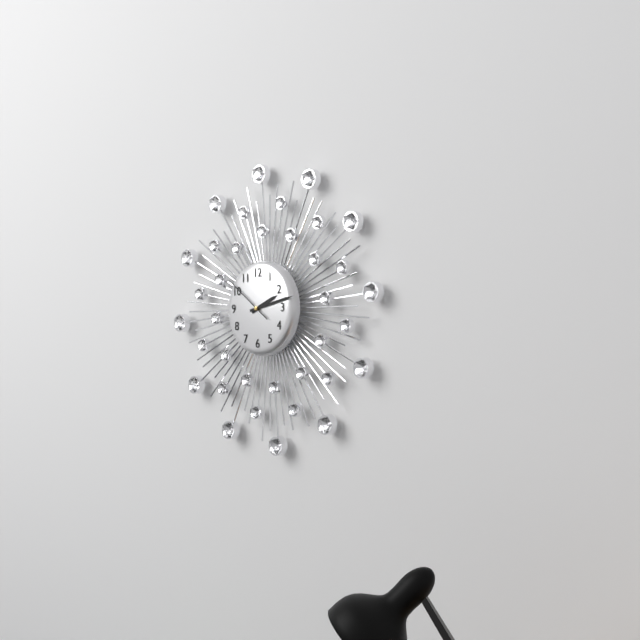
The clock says **2:13:51**
